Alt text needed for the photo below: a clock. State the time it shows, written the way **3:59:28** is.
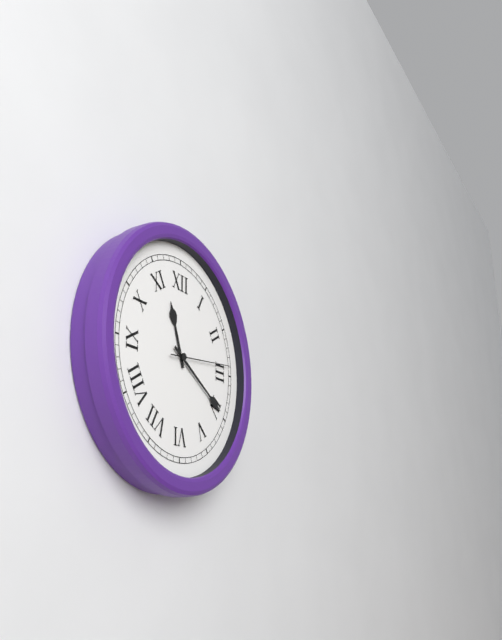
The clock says **11:20:14**
